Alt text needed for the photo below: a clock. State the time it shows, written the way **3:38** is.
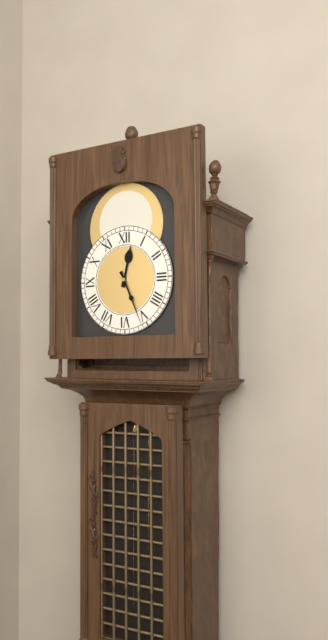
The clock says **12:26**
